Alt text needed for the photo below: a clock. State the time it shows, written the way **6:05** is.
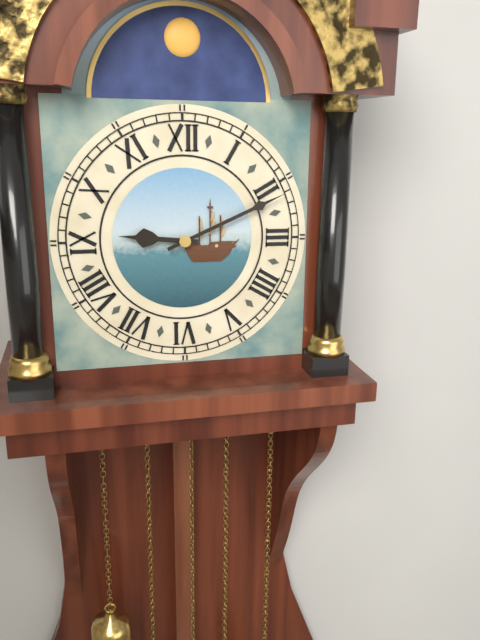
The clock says **9:11**
